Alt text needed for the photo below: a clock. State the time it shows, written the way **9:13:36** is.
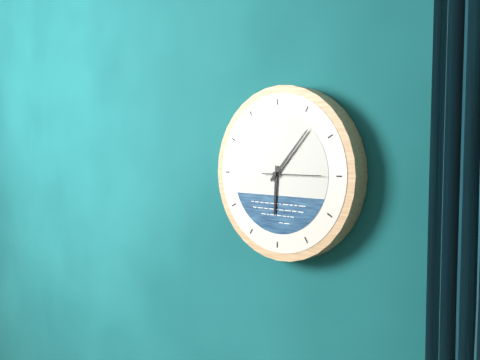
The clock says **6:07:15**
